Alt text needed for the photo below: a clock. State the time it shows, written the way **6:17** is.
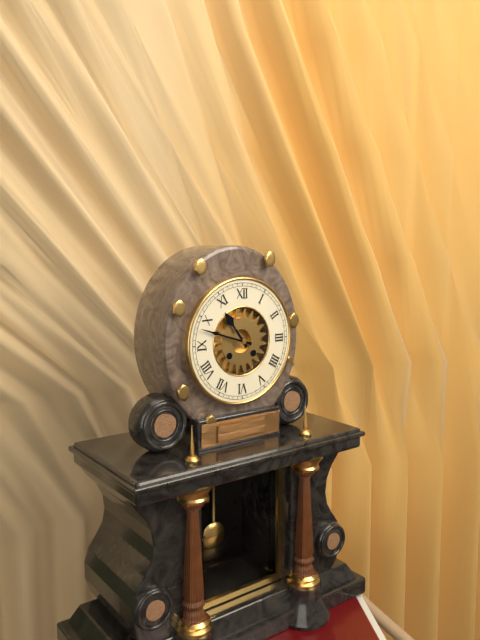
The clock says **10:48**
